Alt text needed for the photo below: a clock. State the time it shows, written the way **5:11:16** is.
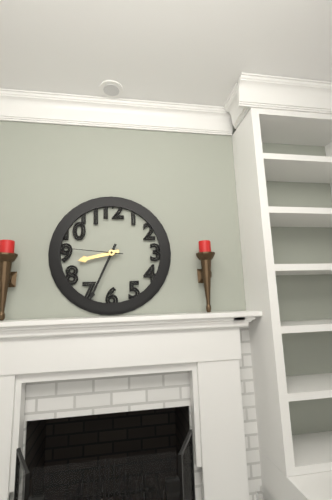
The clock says **8:34:46**
